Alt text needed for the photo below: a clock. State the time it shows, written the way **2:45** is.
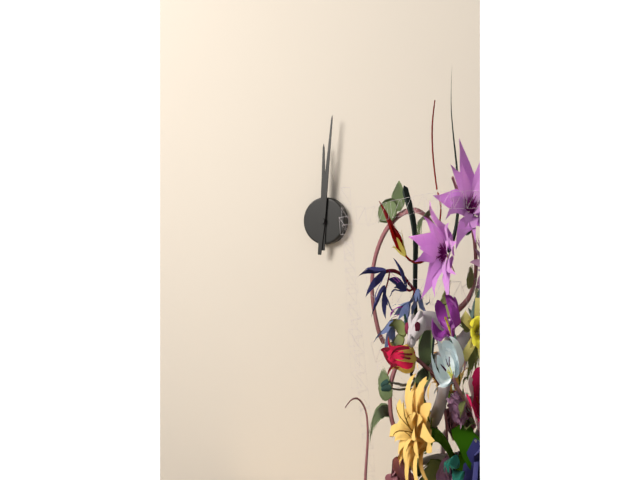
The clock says **12:01**
